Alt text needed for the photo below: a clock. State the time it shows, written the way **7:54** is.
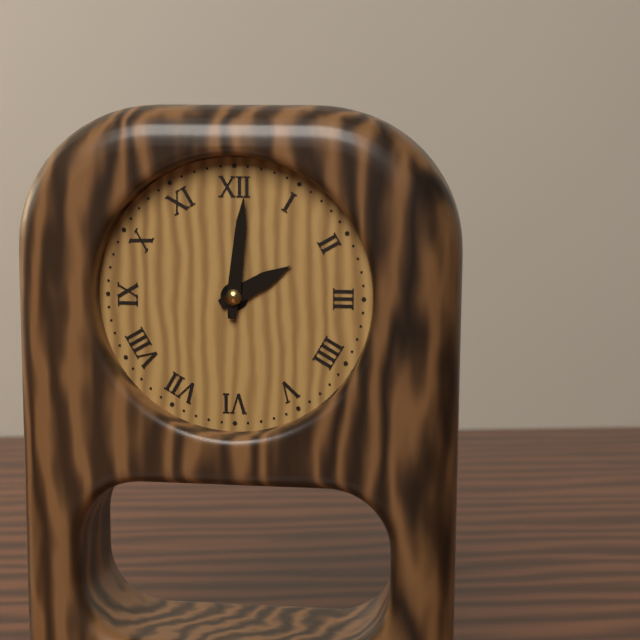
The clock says **2:01**
